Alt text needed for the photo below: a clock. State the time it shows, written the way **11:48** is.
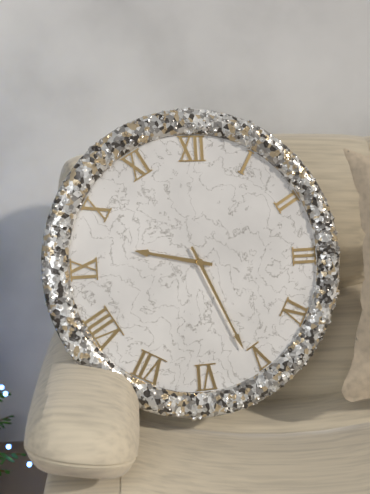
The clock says **9:26**
